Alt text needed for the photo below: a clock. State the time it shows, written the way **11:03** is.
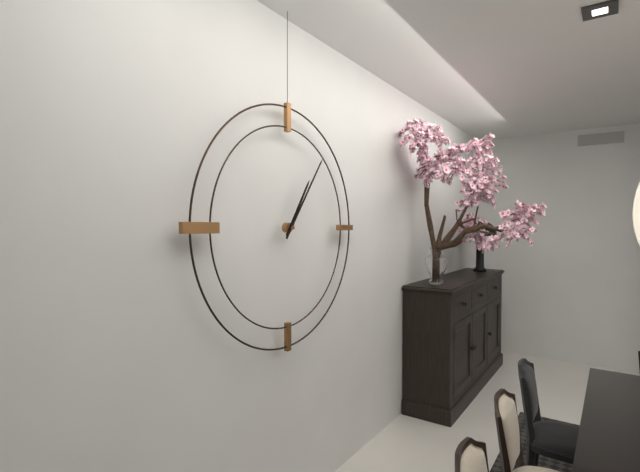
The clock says **1:06**
